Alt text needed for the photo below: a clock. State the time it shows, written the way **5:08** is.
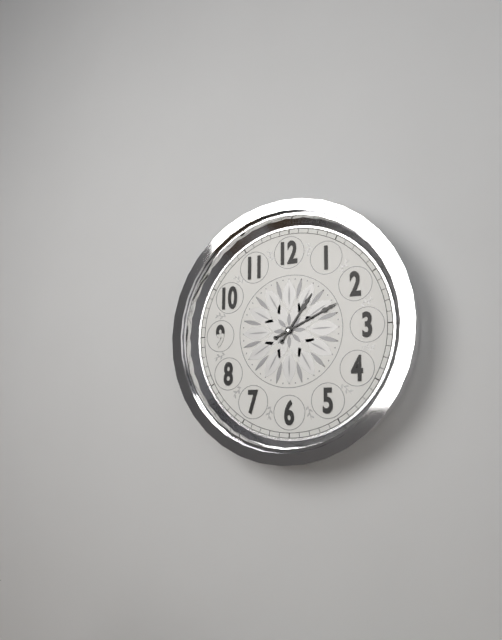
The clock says **1:11**
